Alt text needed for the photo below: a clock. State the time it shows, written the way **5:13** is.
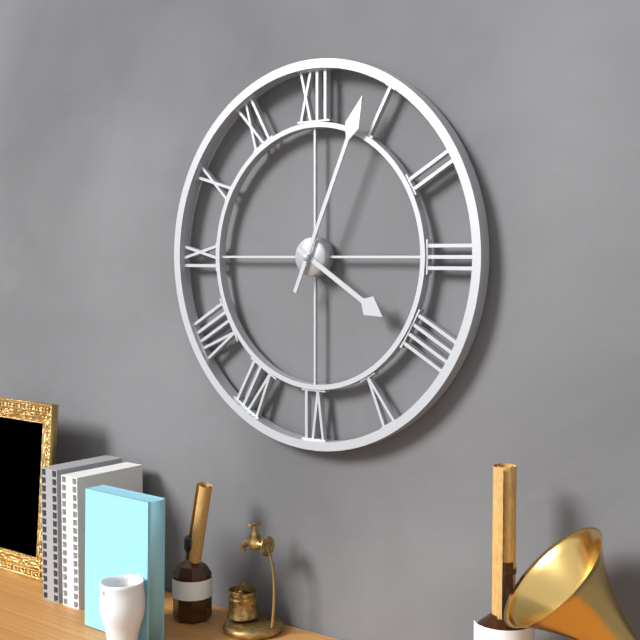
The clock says **4:04**
